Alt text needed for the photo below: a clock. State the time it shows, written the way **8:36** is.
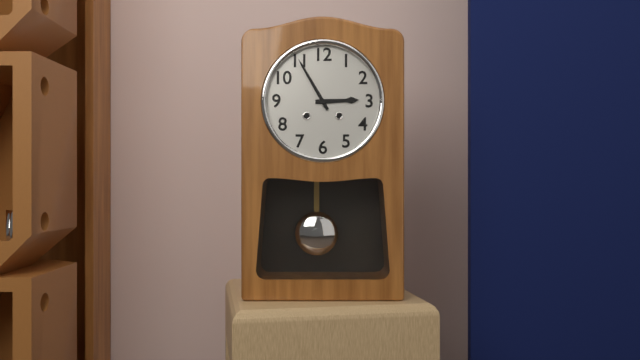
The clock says **2:55**
